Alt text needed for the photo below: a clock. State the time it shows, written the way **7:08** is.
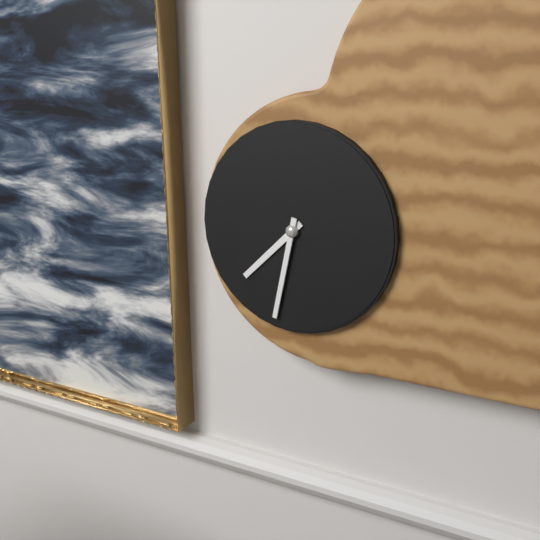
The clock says **7:32**
